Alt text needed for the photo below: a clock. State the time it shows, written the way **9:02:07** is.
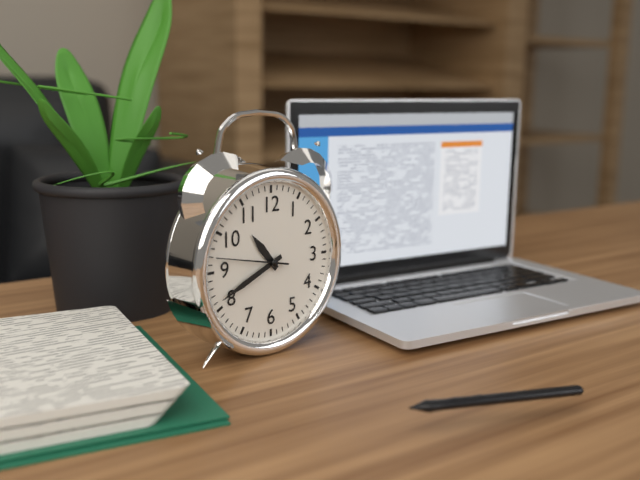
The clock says **10:41:47**
